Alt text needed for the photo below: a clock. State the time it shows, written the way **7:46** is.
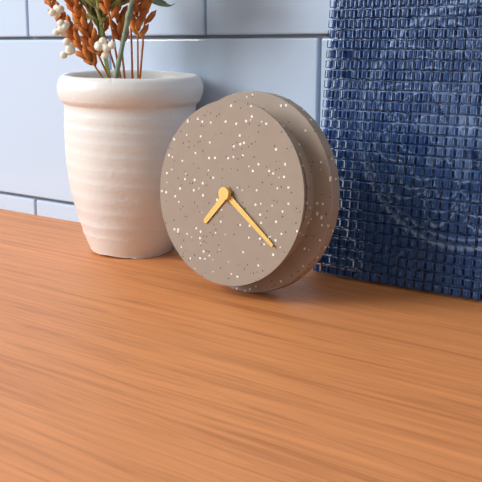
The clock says **7:21**
